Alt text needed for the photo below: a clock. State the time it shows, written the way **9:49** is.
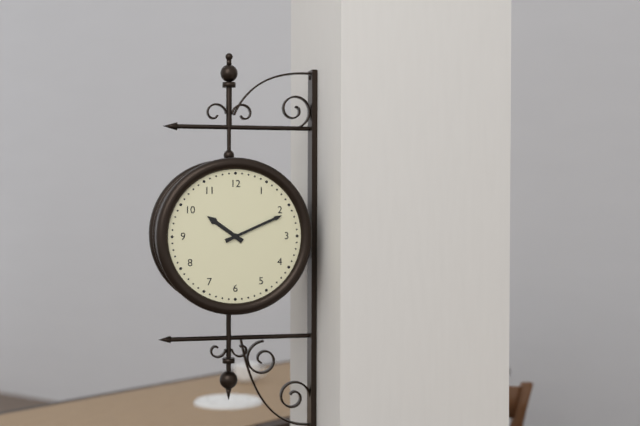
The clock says **10:11**
